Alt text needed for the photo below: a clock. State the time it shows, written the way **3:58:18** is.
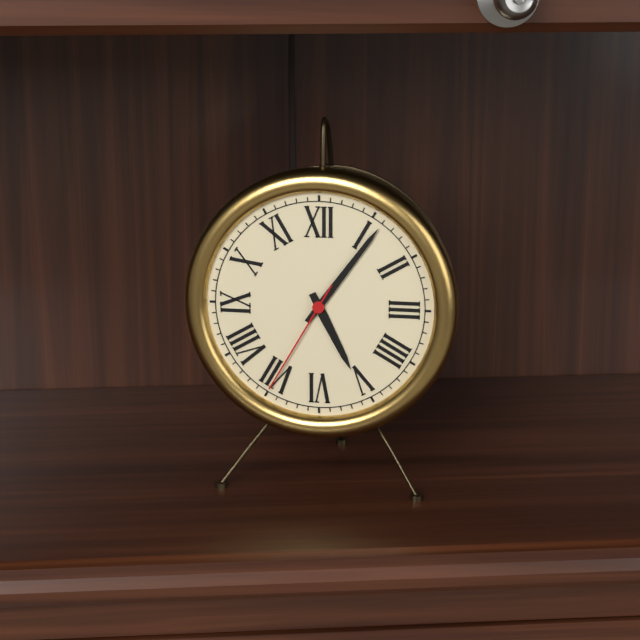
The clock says **5:06:35**
